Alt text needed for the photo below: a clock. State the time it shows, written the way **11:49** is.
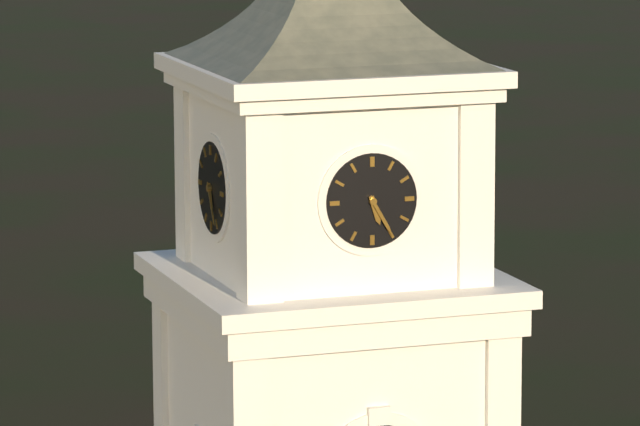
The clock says **5:25**
